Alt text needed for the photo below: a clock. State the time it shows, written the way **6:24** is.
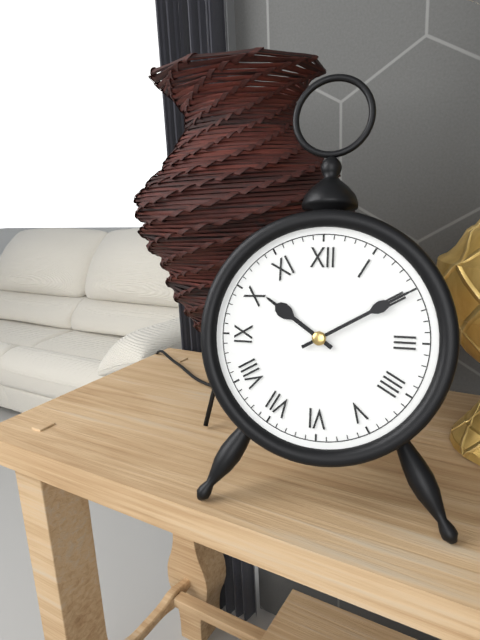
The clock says **10:10**
